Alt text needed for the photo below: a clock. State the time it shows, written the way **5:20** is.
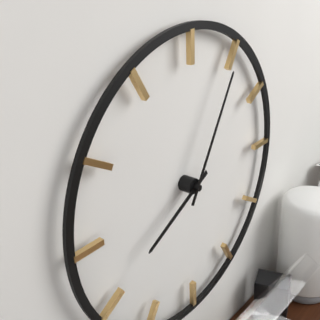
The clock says **8:05**
